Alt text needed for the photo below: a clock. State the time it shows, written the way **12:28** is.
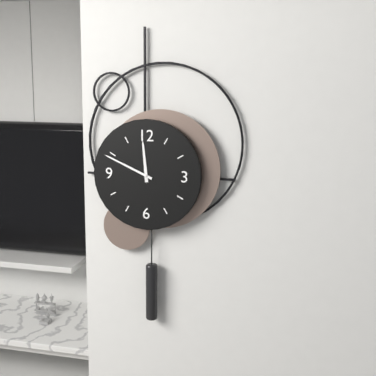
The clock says **11:49**
